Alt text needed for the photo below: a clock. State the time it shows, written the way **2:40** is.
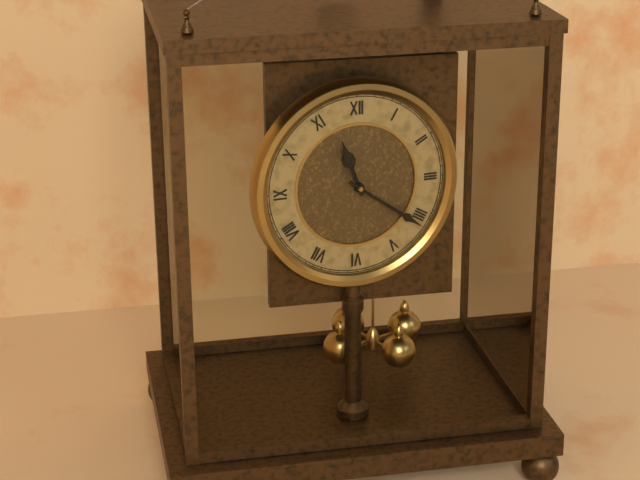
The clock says **11:21**
